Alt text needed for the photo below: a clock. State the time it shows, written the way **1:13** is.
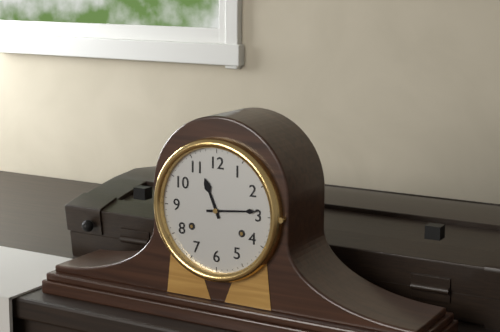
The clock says **11:14**
